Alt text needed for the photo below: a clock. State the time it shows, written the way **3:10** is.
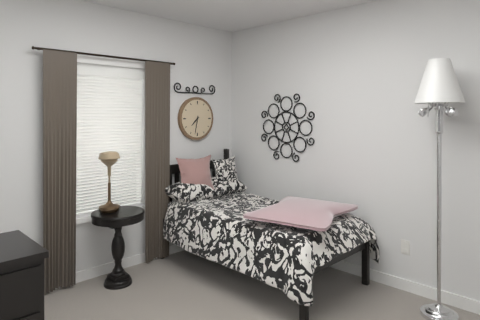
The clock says **7:32**
